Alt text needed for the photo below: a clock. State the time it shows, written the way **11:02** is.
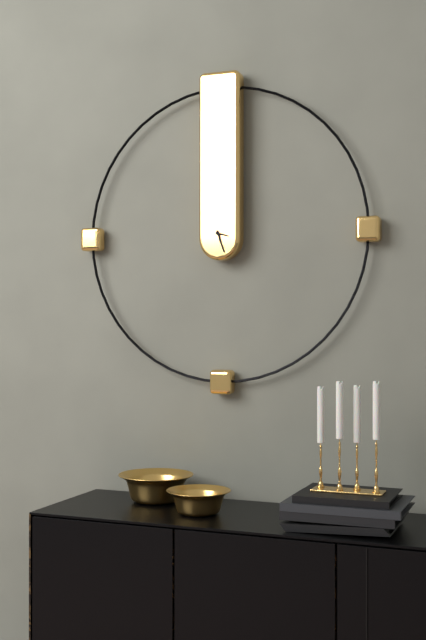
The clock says **3:27**
